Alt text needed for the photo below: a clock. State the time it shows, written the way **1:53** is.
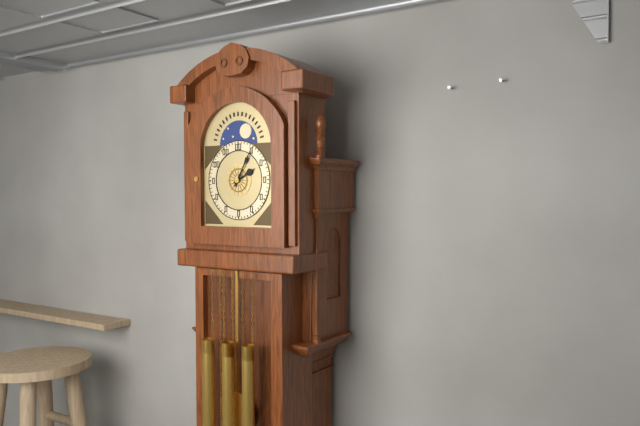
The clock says **2:05**
